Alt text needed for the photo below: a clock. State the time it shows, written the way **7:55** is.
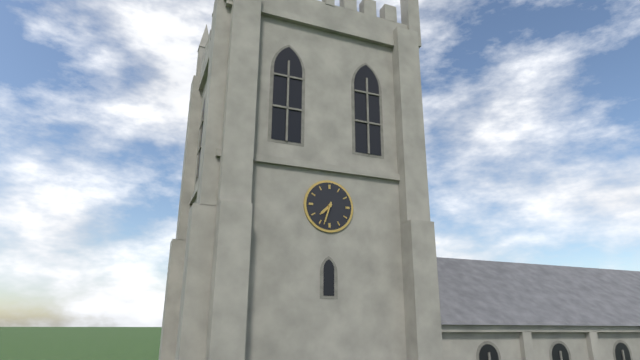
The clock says **7:33**
